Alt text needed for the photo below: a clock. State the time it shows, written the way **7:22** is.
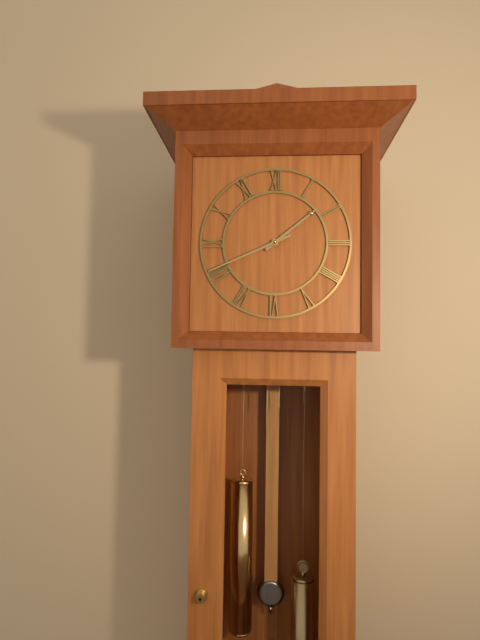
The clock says **1:41**
